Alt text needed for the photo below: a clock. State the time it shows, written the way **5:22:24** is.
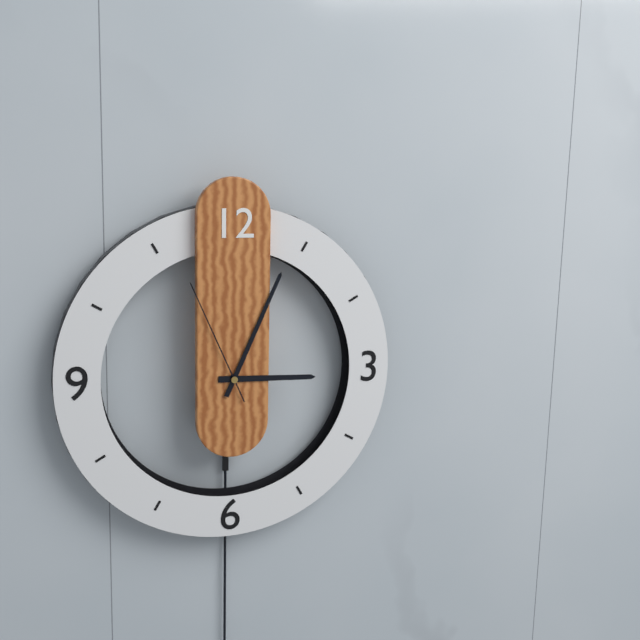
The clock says **3:04:56**
